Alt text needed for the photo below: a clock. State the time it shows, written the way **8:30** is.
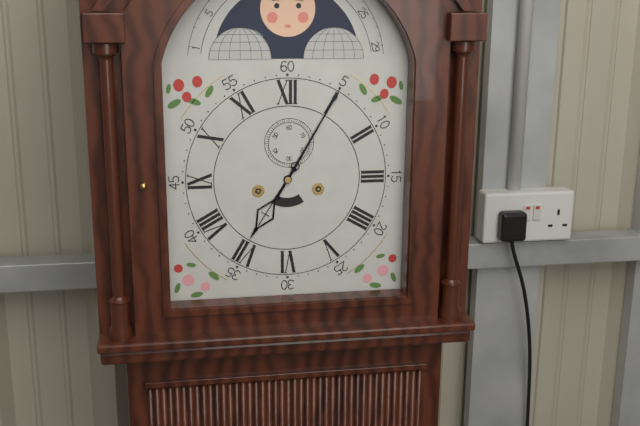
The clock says **7:05**
